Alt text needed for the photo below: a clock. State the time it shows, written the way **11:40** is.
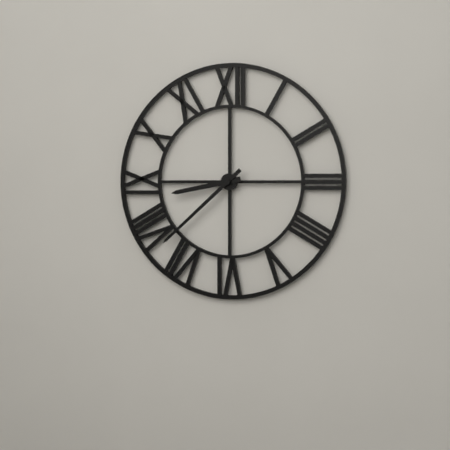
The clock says **8:38**
